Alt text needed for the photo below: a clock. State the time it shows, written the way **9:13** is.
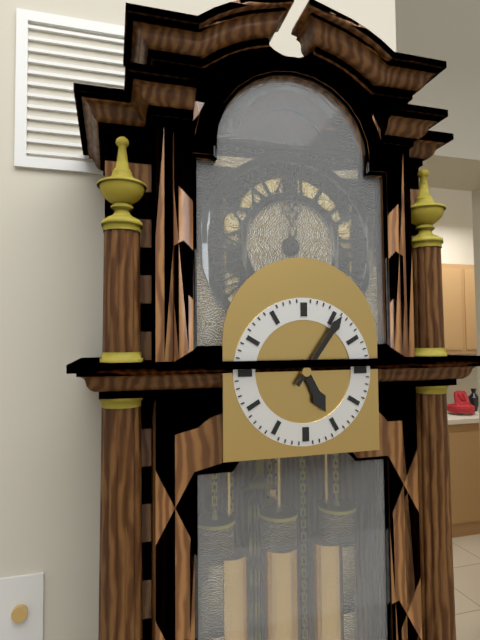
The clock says **5:06**
